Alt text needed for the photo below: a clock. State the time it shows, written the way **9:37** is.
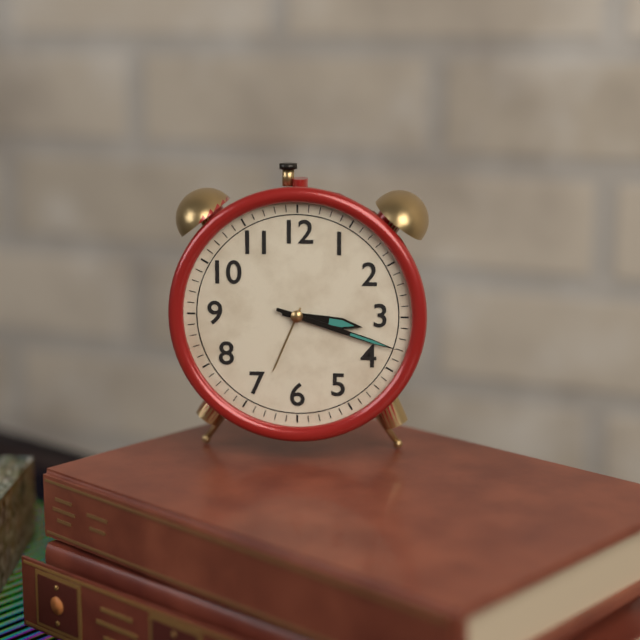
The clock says **3:18**
